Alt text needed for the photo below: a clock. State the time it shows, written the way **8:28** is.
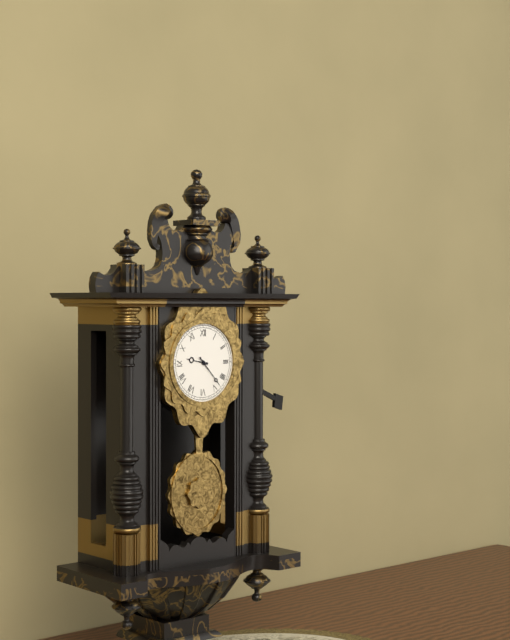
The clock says **9:23**
